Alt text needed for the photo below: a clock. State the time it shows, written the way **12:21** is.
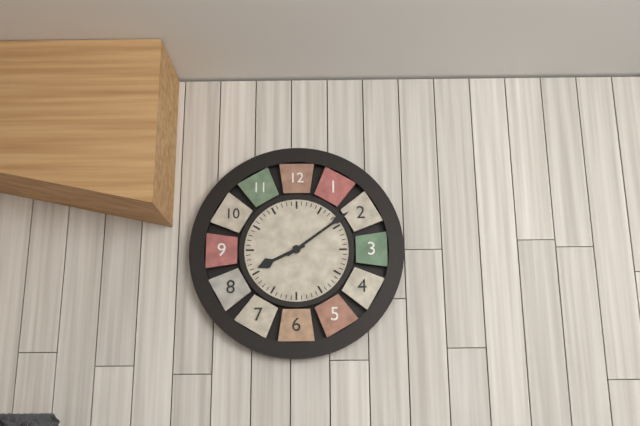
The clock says **8:09**
